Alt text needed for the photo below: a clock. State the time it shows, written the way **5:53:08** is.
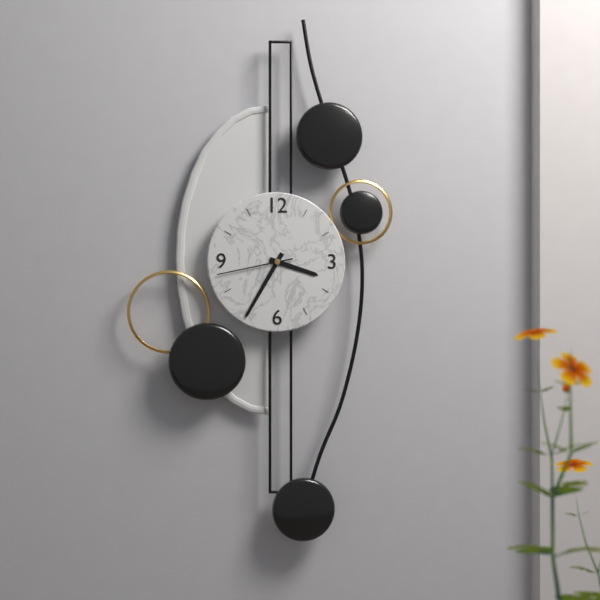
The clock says **3:35:43**
